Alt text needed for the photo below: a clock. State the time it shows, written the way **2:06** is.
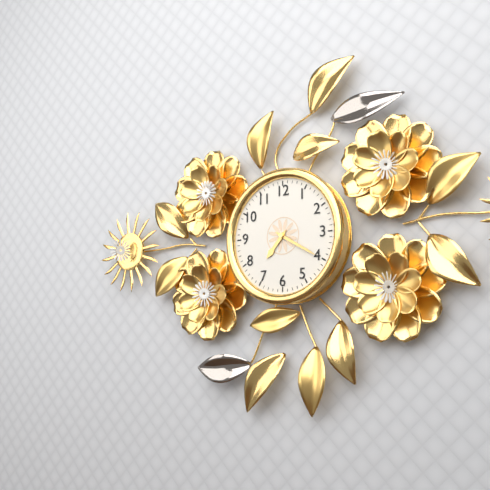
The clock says **7:20**
